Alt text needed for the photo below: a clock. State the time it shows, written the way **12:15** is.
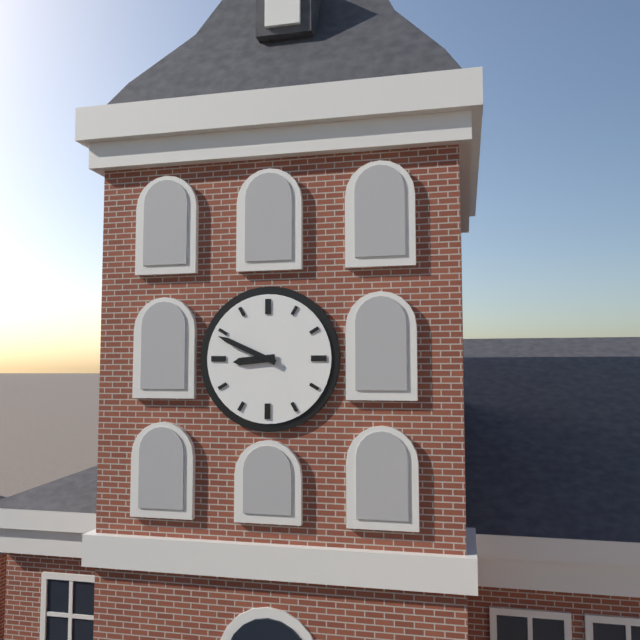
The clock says **8:49**
